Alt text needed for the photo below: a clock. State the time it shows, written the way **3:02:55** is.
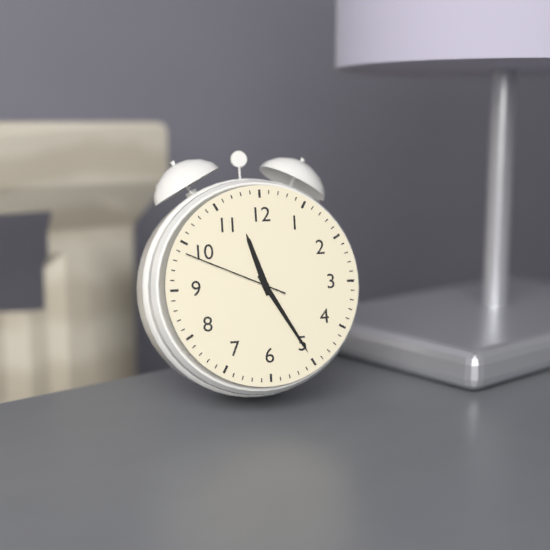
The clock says **11:25:49**
